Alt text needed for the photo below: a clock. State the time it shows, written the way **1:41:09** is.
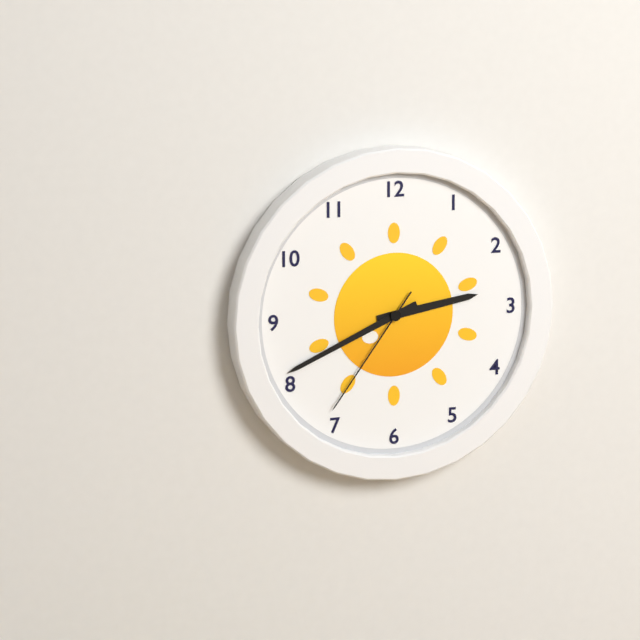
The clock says **2:41:36**
